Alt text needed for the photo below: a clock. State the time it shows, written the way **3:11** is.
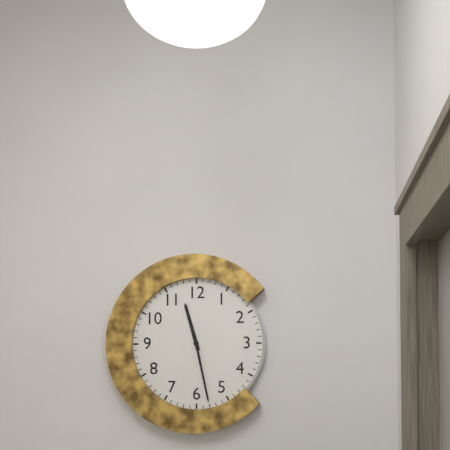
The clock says **11:28**
